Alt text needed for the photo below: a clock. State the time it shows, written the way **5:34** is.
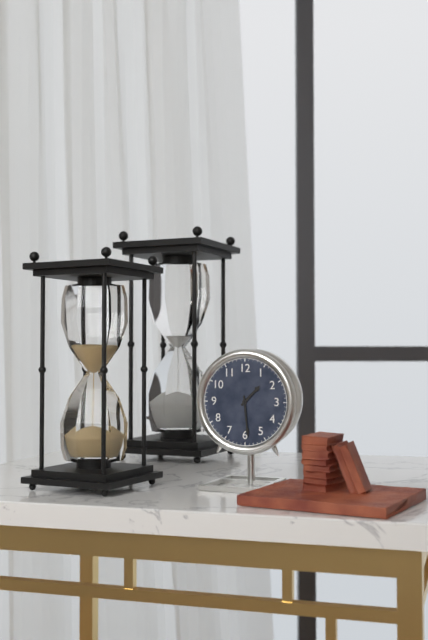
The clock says **1:29**
